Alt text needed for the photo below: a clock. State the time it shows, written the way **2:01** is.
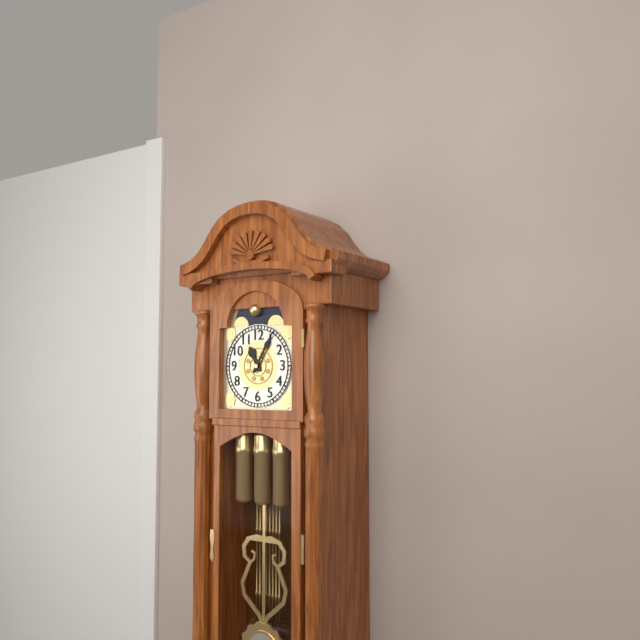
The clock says **11:05**
